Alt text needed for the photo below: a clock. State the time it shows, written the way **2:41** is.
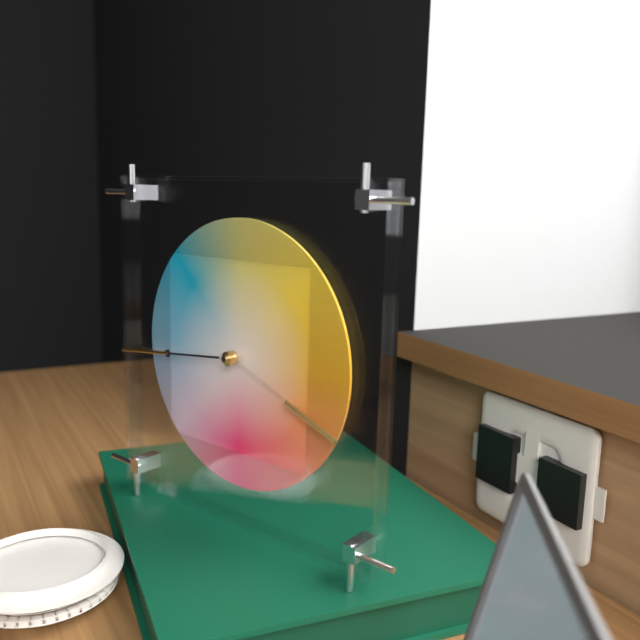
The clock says **3:44**
